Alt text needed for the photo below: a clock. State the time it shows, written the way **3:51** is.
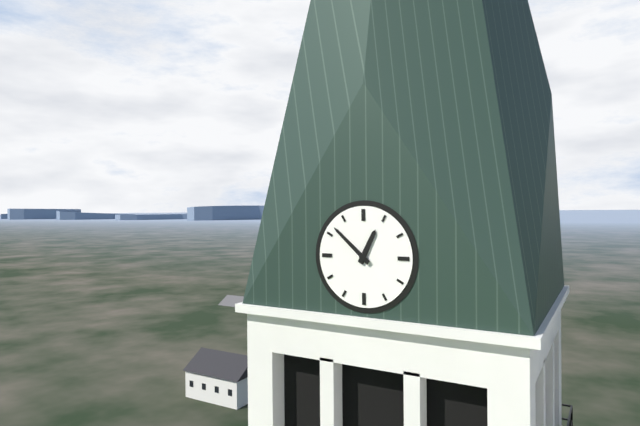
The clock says **12:52**
